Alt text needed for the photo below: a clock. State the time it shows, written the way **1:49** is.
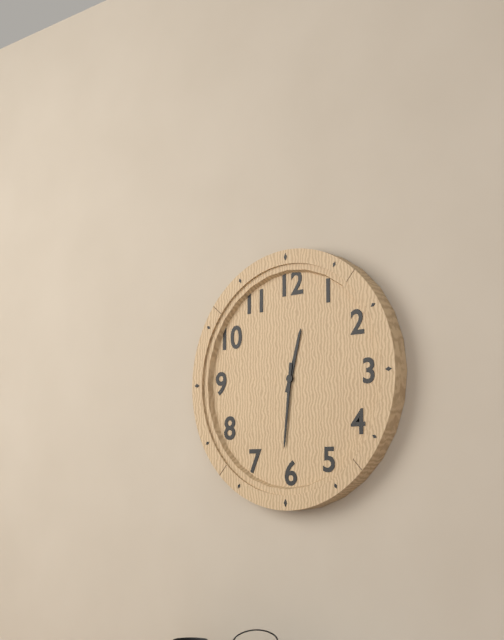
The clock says **12:31**
